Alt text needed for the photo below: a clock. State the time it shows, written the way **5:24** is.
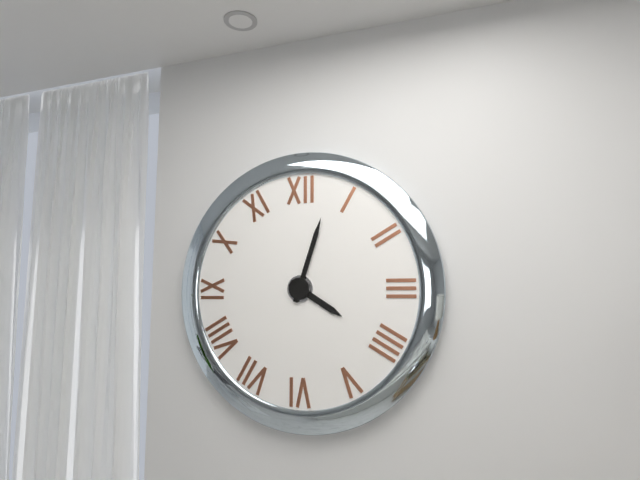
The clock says **4:03**
